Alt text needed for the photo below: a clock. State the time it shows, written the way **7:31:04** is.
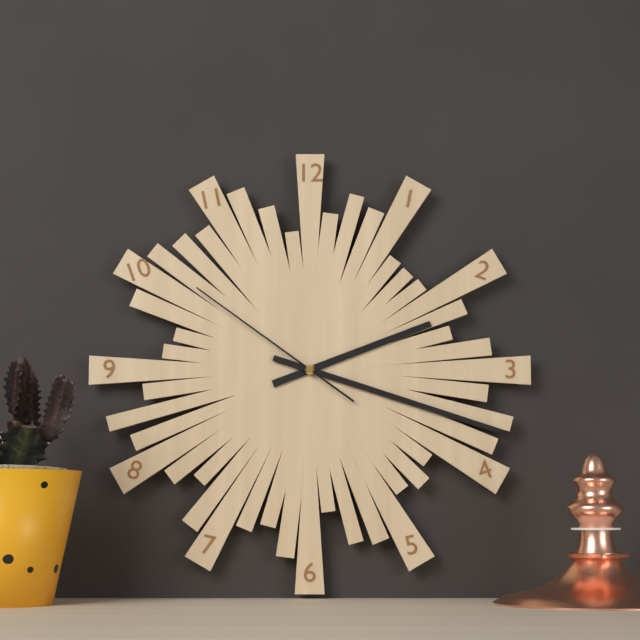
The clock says **2:18:51**
